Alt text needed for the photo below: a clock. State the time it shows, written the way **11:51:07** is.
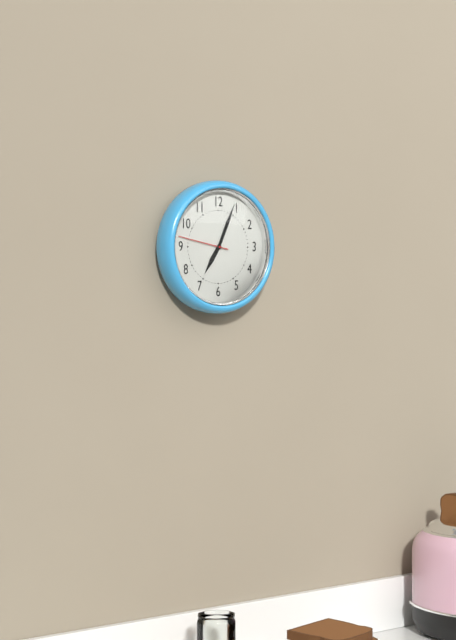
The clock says **7:04:47**
